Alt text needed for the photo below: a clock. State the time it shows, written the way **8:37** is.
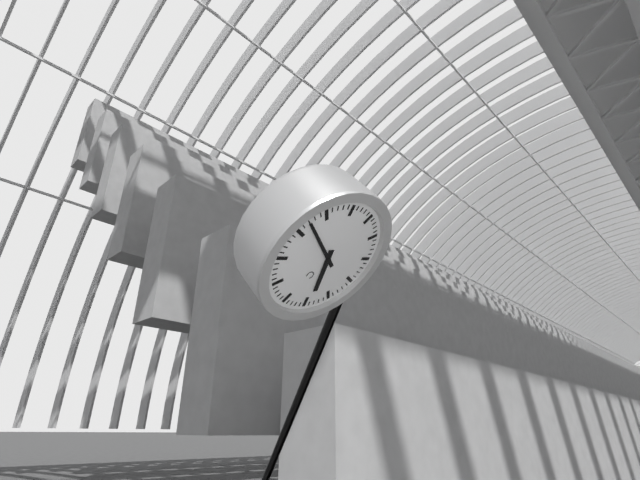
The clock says **4:47**
